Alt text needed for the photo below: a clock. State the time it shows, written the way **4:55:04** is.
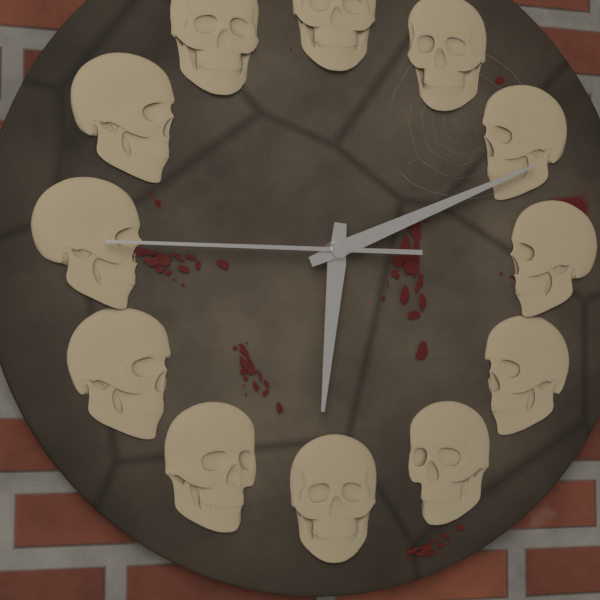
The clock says **6:11:45**
